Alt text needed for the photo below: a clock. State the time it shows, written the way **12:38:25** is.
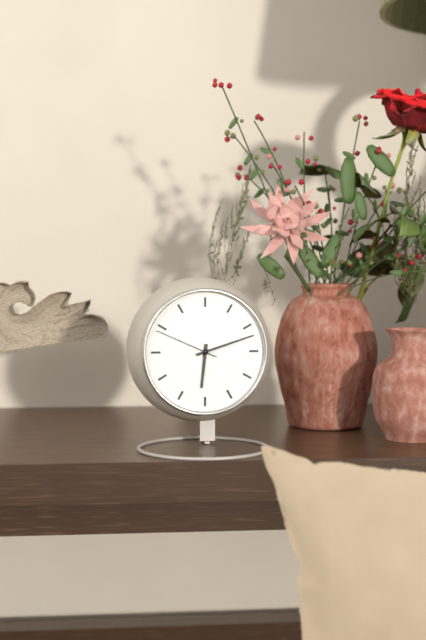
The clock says **6:12:49**
